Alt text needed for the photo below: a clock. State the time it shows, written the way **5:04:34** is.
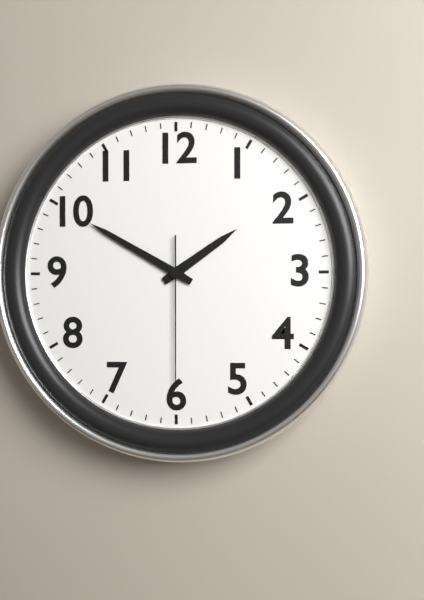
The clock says **1:50:30**
